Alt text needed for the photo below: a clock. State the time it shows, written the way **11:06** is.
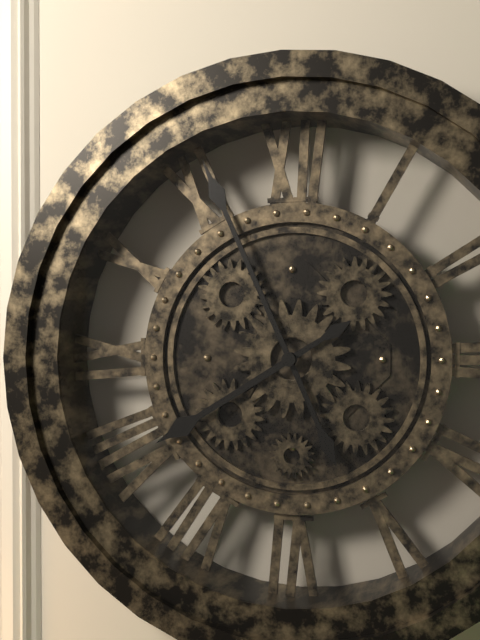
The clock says **7:56**
